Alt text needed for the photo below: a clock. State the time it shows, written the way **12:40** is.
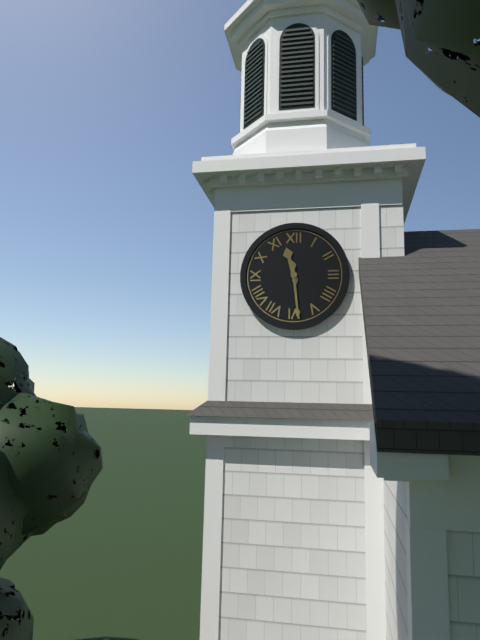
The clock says **11:29**
